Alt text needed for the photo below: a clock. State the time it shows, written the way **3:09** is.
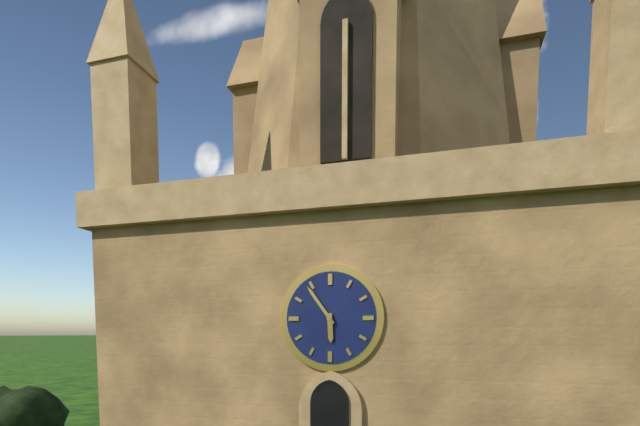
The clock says **5:54**
